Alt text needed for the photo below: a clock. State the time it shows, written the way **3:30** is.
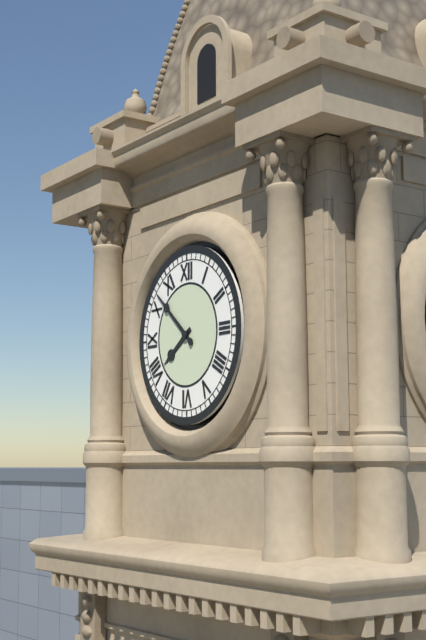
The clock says **7:52**
